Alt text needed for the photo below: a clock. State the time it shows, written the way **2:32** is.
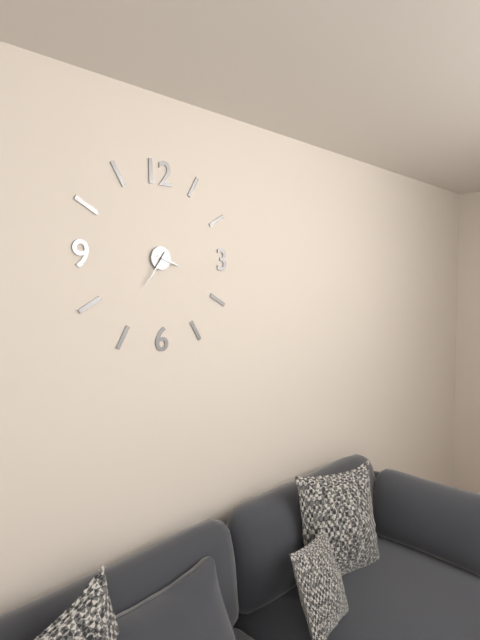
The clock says **3:36**
